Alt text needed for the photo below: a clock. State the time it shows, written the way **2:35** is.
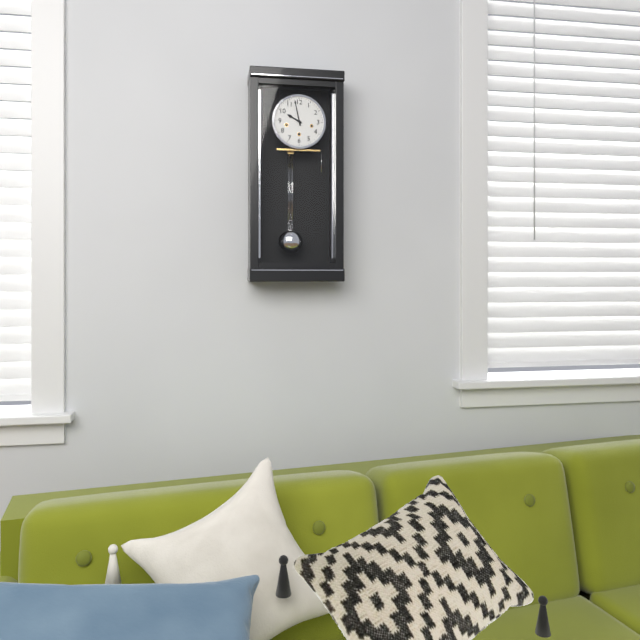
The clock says **9:58**
